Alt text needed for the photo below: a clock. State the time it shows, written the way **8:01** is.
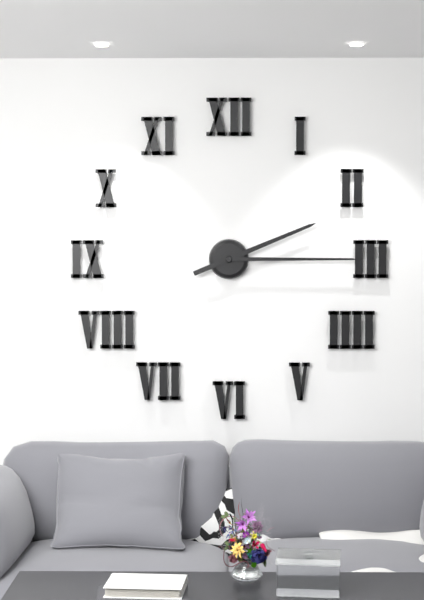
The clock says **2:15**
